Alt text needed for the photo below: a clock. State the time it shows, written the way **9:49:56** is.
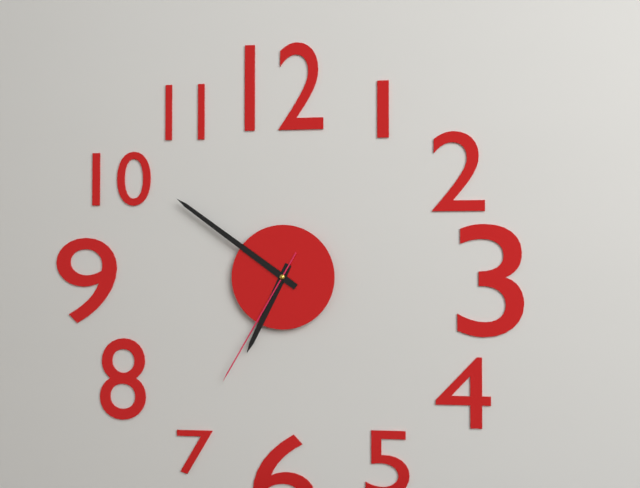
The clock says **6:51:35**
